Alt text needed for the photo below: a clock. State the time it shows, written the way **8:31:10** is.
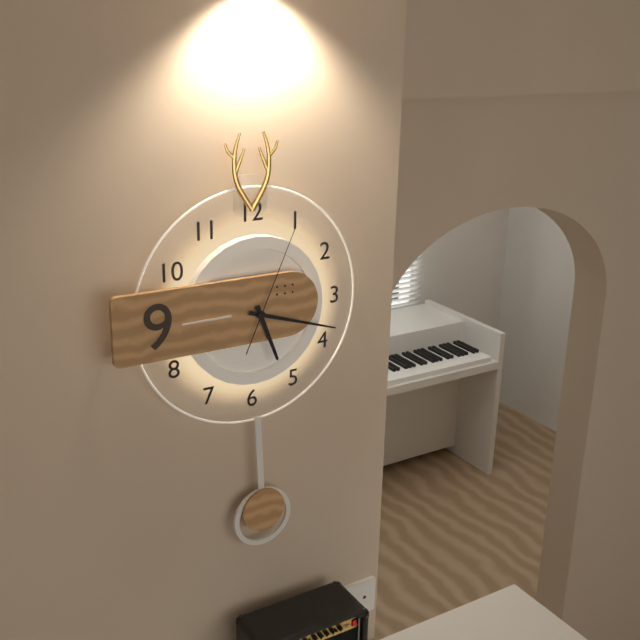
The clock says **5:18:04**
